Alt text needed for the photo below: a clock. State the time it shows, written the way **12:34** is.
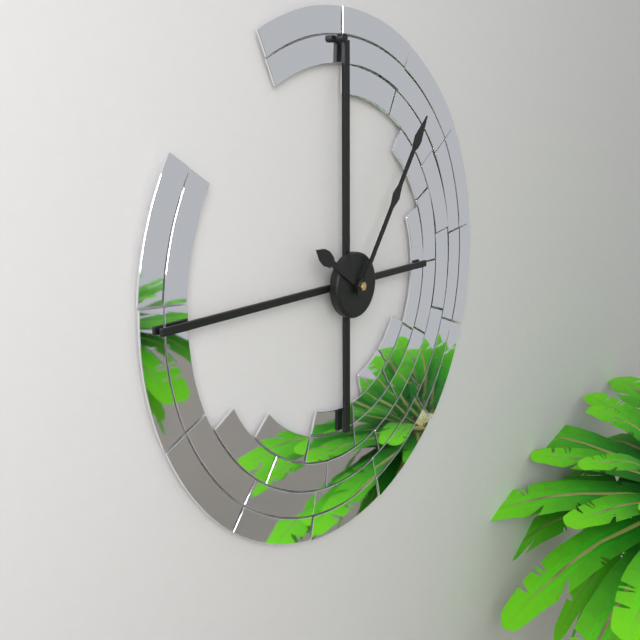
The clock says **10:06**
